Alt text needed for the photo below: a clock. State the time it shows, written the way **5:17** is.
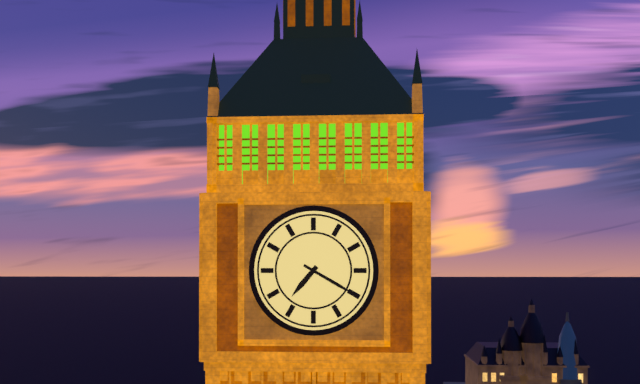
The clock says **7:20**
